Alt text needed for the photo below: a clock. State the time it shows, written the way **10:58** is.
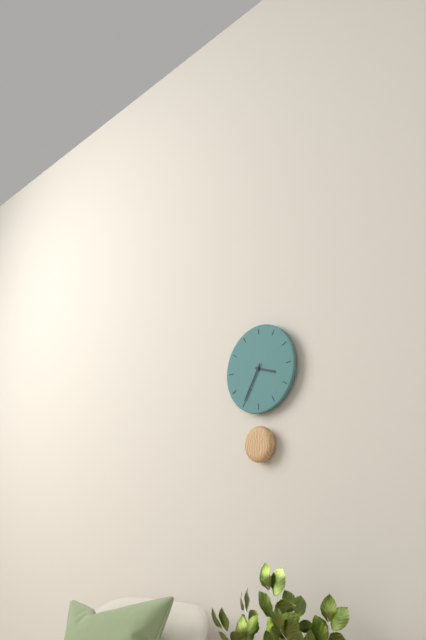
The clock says **3:35**
